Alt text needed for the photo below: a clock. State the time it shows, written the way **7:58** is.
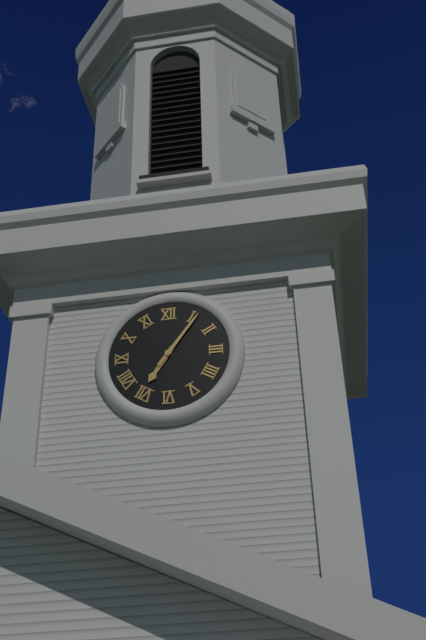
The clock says **7:06**
